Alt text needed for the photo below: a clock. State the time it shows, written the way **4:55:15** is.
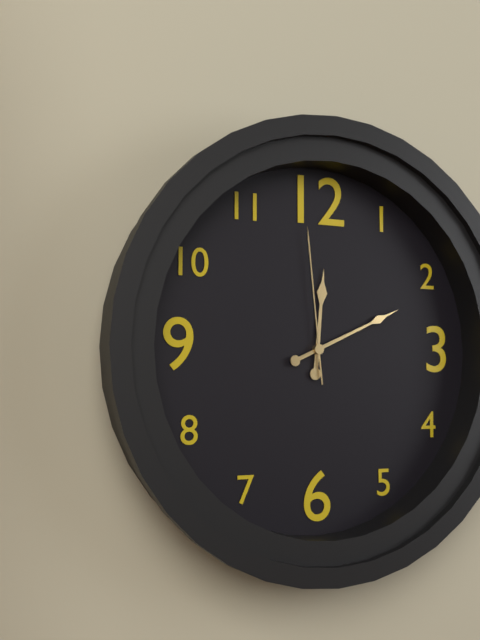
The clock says **12:11:59**
